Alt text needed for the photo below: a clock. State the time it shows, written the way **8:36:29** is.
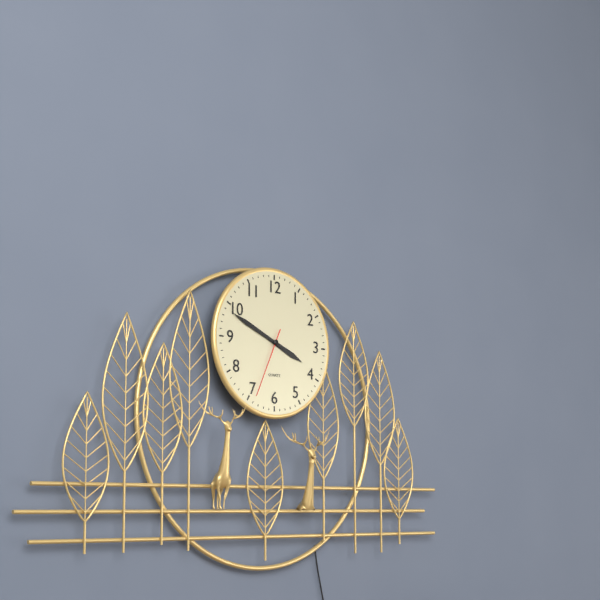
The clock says **3:49:34**
